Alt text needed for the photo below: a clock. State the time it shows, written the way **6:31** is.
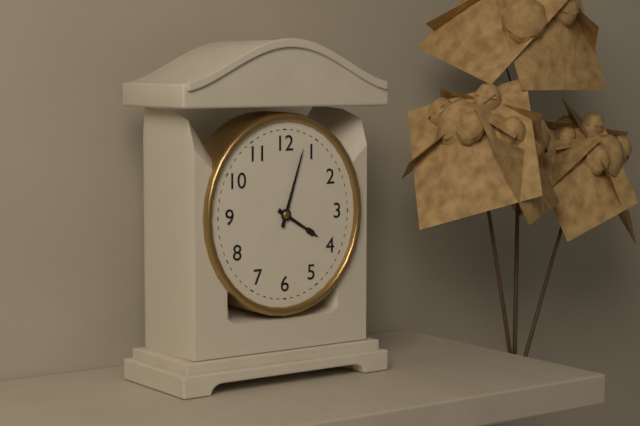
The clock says **4:03**
